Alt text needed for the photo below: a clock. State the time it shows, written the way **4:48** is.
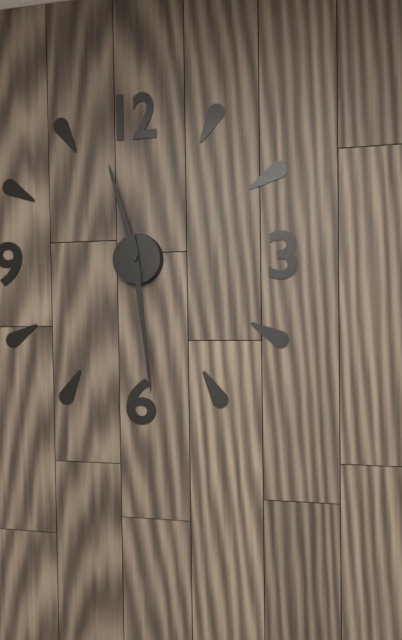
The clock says **11:29**
